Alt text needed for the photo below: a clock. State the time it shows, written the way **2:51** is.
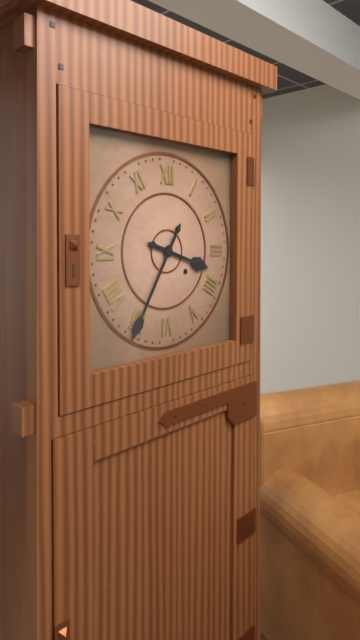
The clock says **3:35**
